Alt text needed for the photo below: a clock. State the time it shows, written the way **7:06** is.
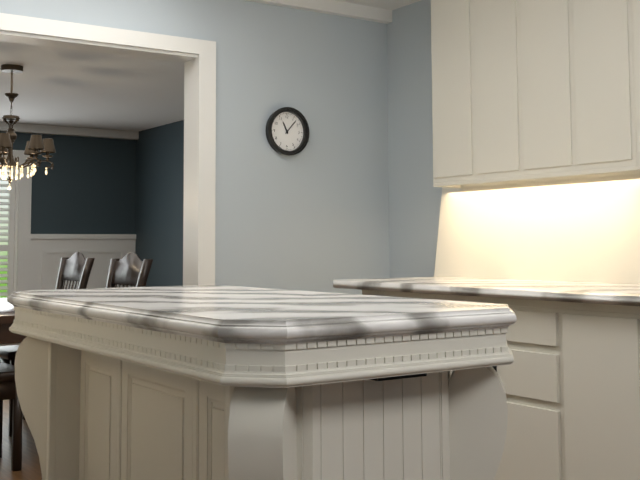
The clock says **11:07**
